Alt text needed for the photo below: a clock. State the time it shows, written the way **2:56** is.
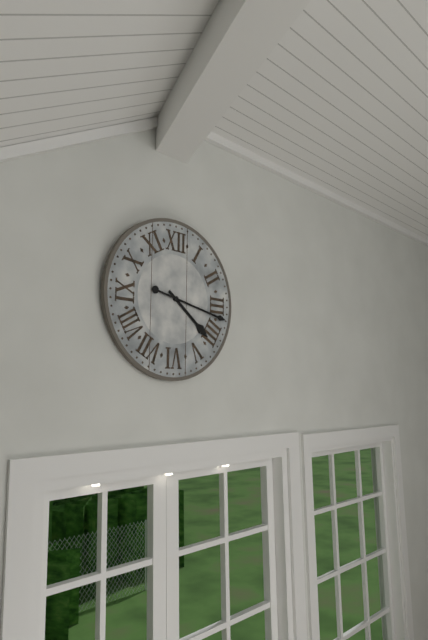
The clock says **4:17**
